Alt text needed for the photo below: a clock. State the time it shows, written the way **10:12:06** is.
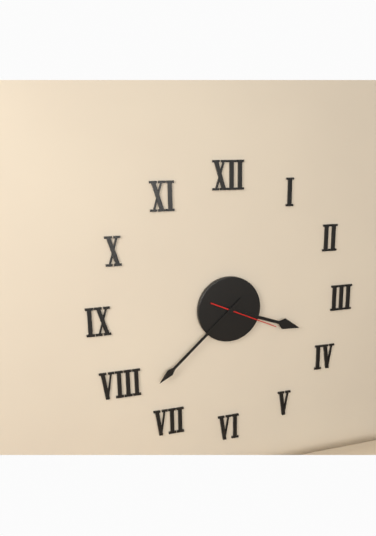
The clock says **3:38:19**
